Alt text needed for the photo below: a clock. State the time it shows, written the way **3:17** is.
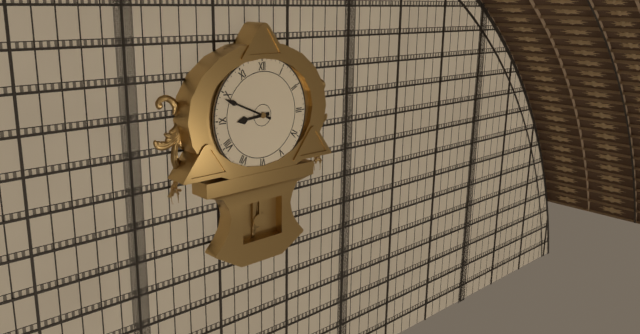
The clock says **8:49**
